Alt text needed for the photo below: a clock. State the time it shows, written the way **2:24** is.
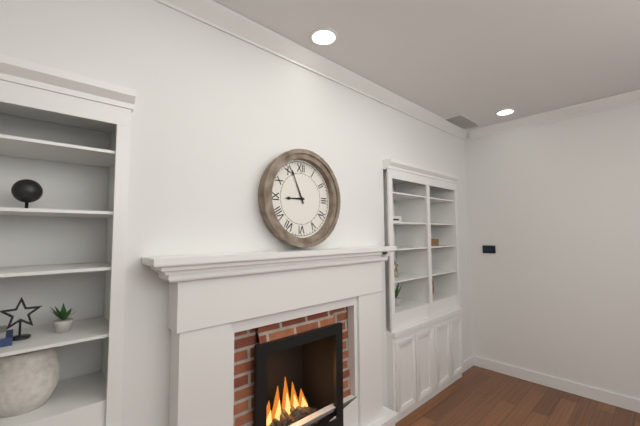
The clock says **8:56**
